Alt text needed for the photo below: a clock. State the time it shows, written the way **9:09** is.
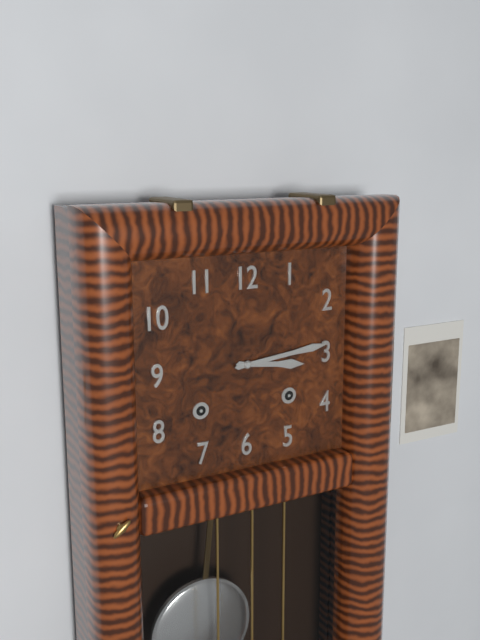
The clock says **3:14**
